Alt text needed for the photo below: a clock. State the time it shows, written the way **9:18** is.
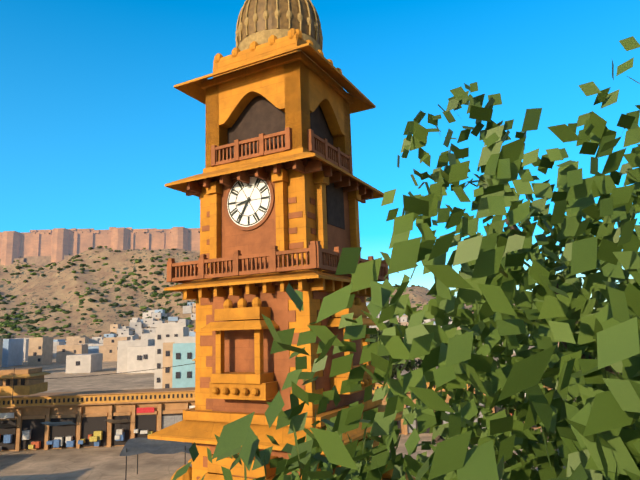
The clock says **8:35**
